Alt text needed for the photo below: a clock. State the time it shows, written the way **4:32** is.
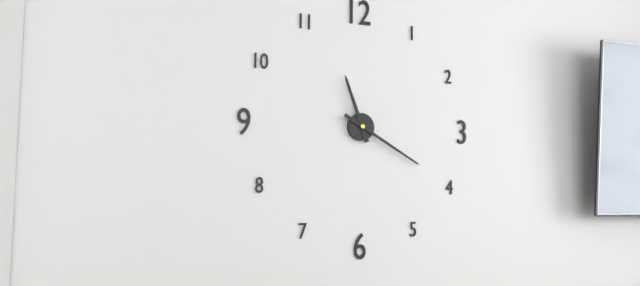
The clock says **11:20**
